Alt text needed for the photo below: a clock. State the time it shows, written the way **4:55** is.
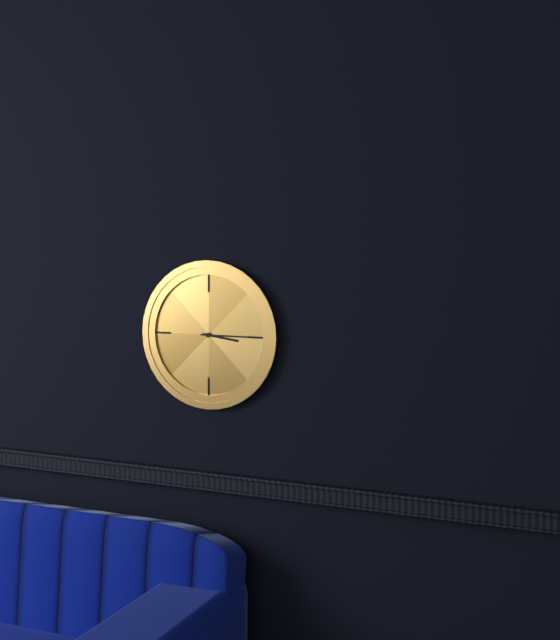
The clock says **3:15**
